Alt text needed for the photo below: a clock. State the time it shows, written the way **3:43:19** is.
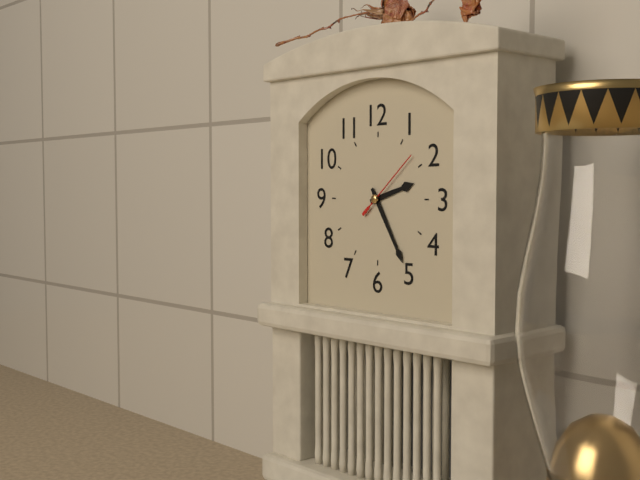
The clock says **2:25:08**
